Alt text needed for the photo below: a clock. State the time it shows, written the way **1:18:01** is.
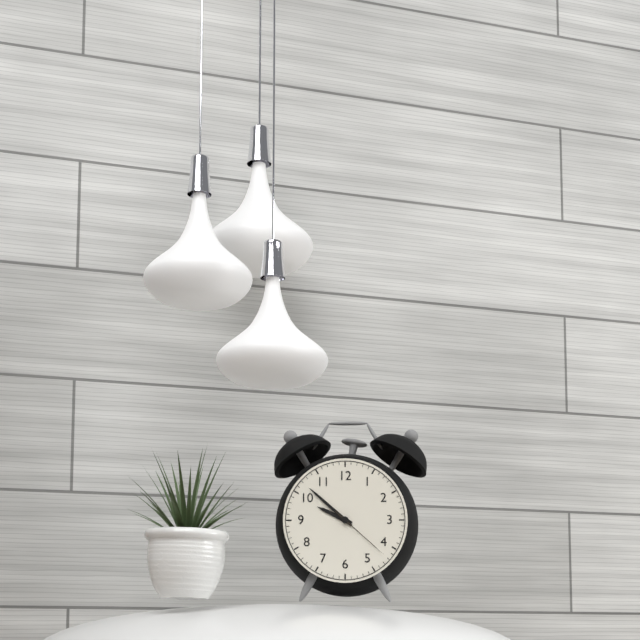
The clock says **9:52:22**
